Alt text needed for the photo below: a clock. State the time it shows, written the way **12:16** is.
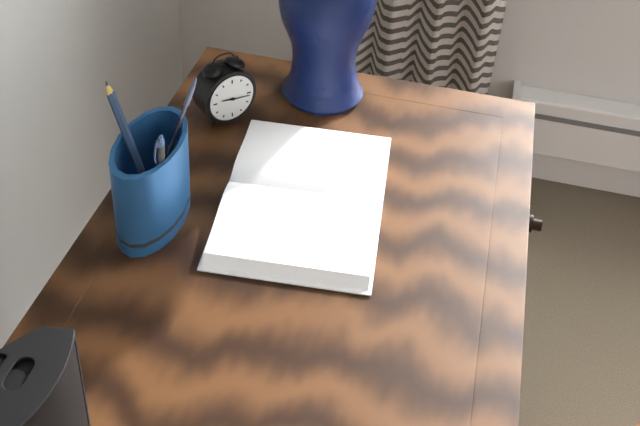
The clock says **9:16**
